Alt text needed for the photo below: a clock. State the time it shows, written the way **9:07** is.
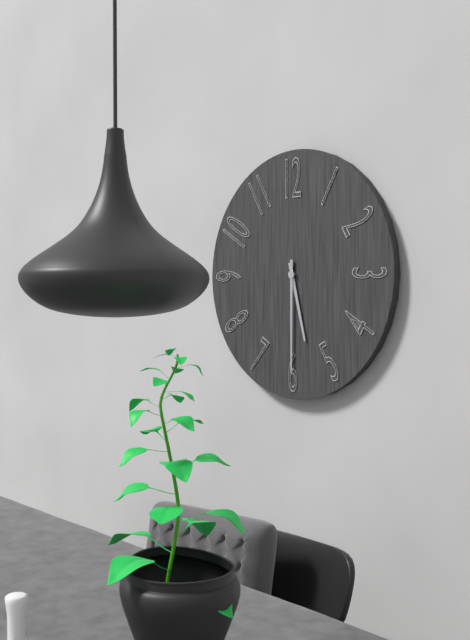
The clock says **5:30**
